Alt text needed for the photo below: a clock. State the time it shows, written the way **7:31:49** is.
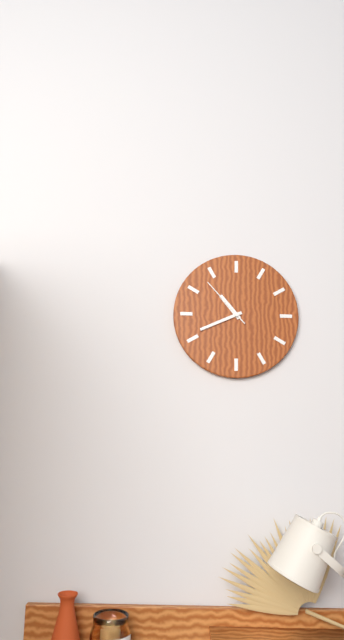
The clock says **10:41:53**
